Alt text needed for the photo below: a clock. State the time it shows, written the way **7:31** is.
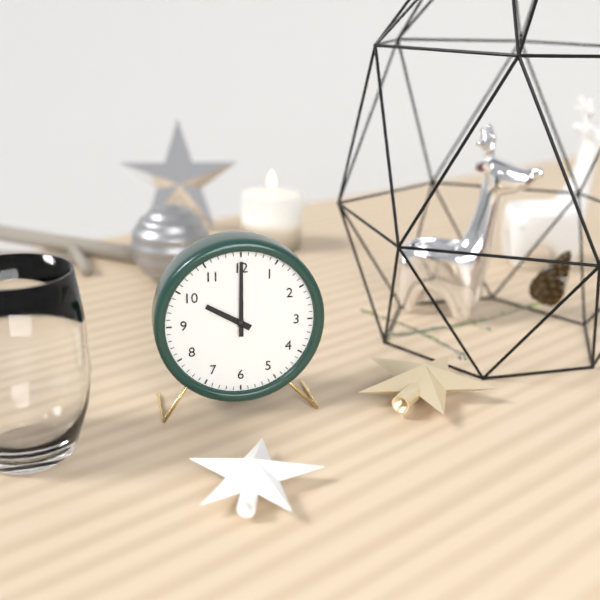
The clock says **10:00**
